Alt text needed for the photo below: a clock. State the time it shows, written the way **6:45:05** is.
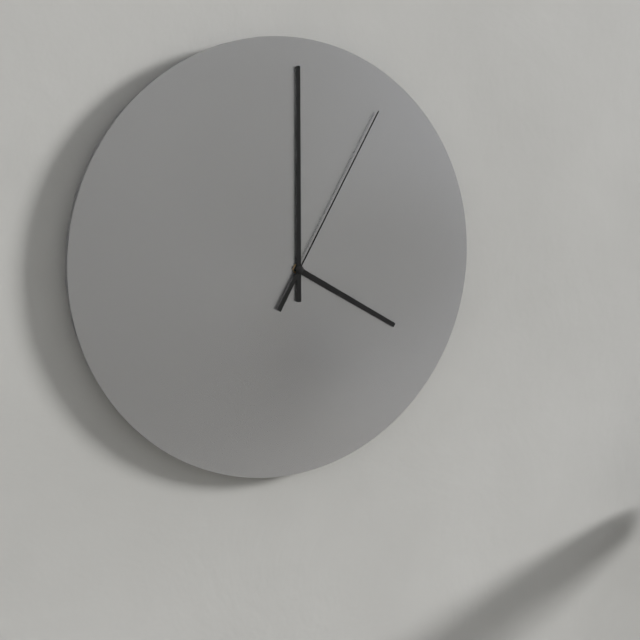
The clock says **4:00:05**
